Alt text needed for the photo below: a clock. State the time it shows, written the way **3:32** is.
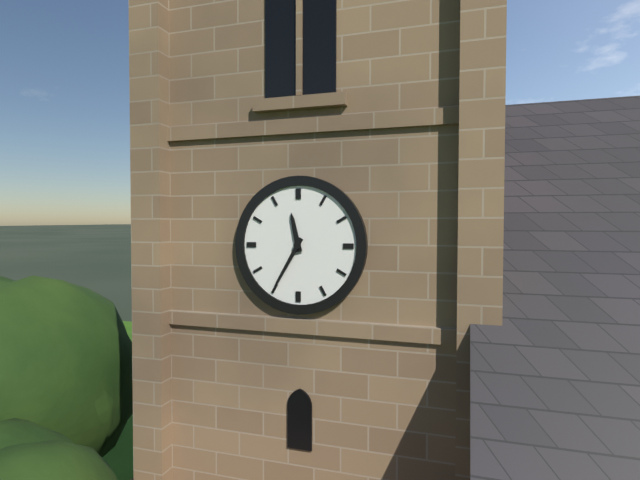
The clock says **11:35**
